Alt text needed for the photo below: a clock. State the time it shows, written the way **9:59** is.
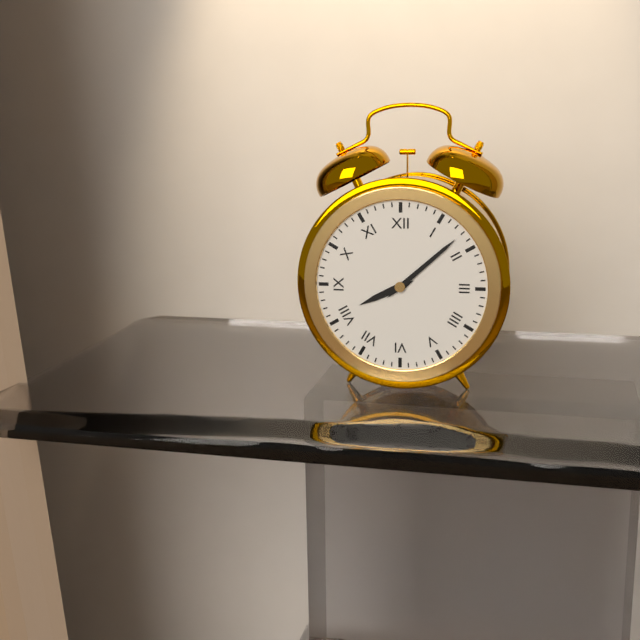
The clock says **8:08**
